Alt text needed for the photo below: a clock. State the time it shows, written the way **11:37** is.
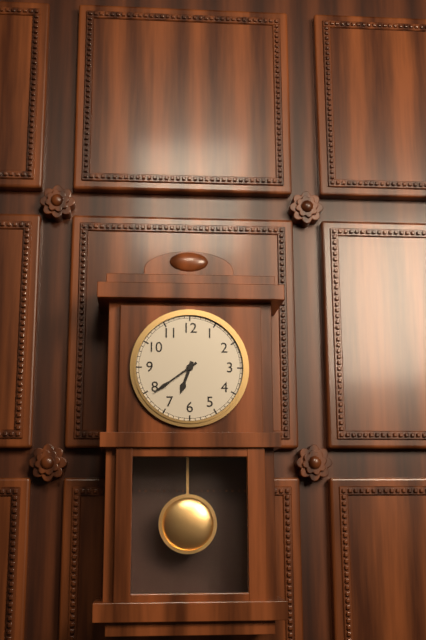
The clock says **6:39**
